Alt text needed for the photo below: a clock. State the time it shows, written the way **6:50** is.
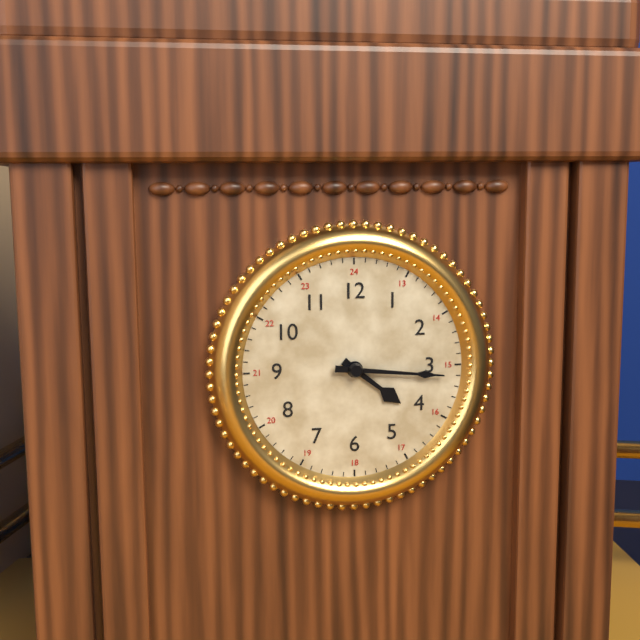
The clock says **4:16**
